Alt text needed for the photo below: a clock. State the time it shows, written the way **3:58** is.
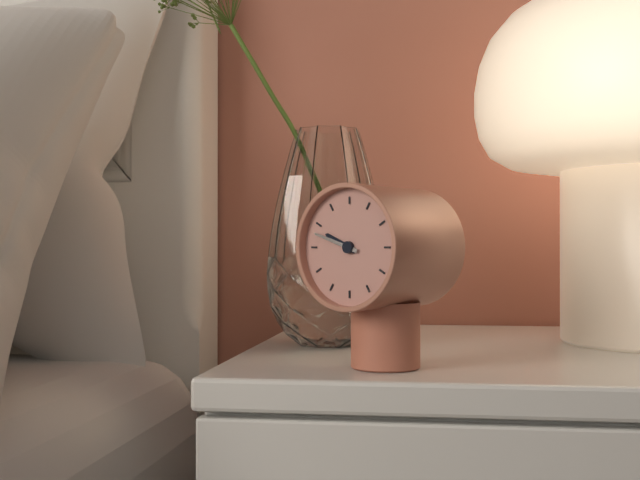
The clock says **9:48**
